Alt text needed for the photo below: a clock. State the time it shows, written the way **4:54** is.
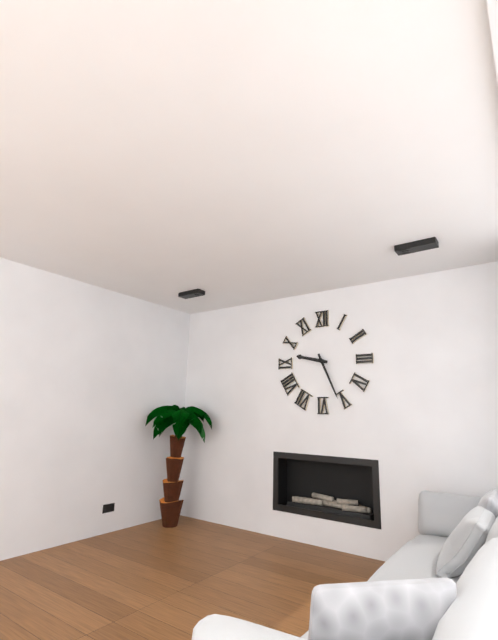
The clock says **9:26**
